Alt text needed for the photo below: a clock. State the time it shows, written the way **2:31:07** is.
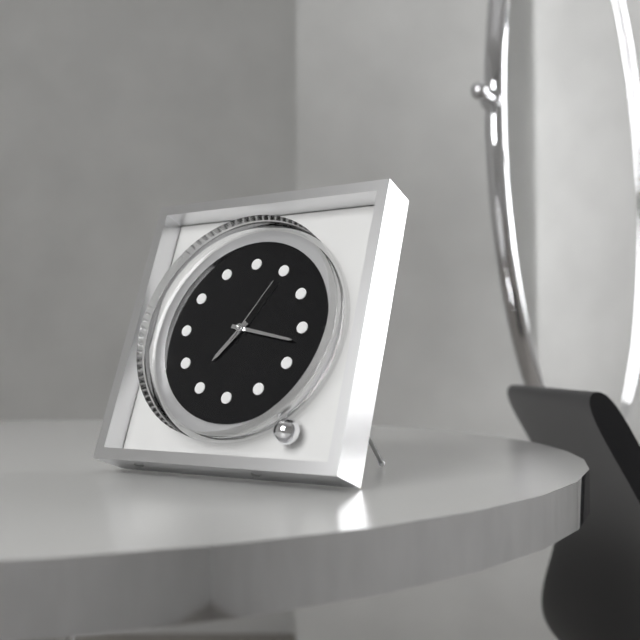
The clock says **7:17:05**
